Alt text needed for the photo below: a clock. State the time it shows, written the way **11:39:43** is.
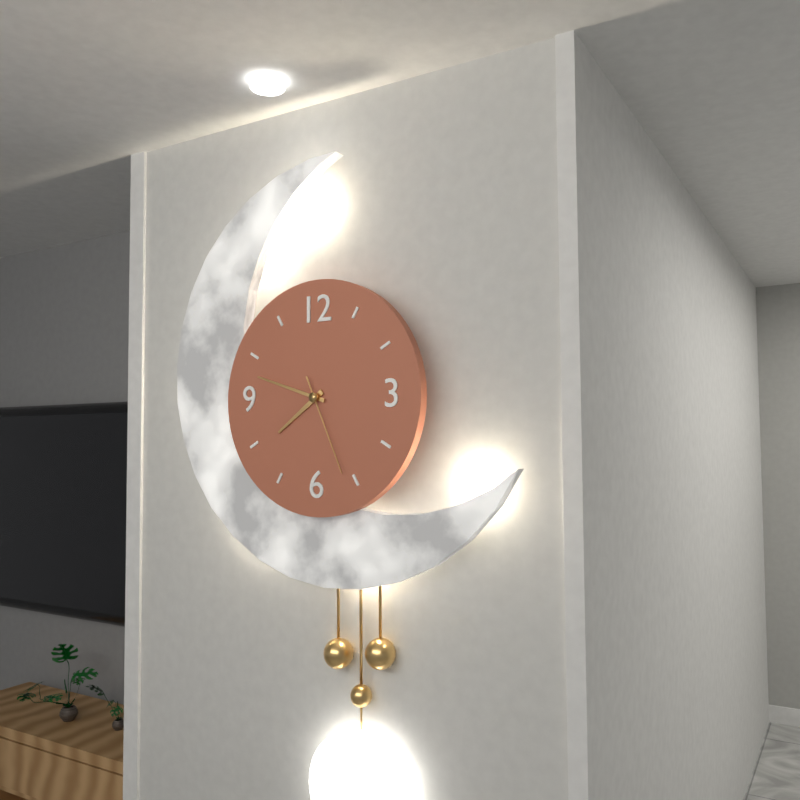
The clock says **7:48:26**
